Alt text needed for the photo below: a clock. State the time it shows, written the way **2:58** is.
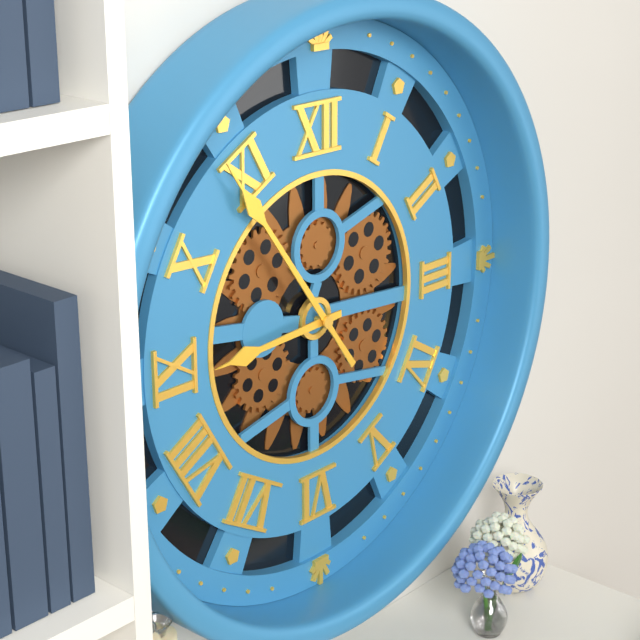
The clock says **8:54**
